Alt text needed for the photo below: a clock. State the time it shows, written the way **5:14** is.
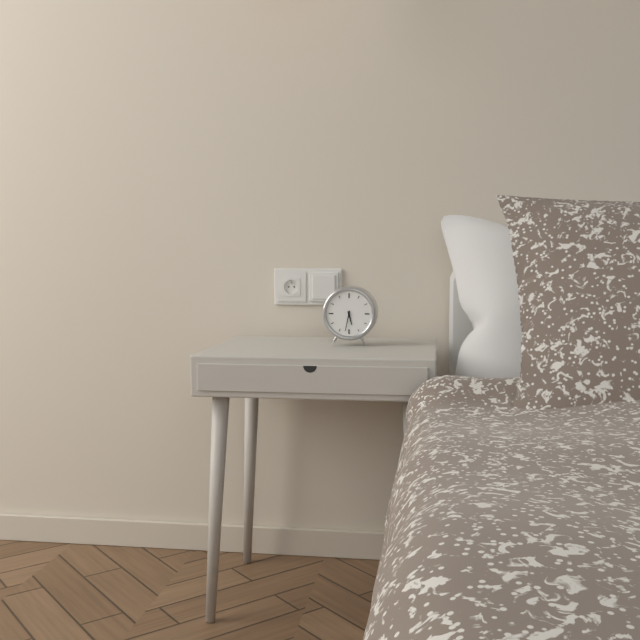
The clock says **5:32**
